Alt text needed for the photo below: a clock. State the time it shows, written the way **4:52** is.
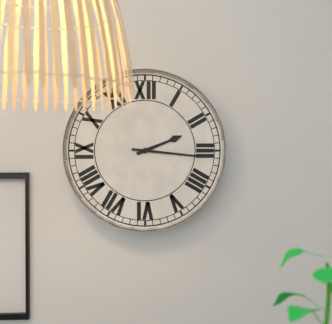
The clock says **2:16**
